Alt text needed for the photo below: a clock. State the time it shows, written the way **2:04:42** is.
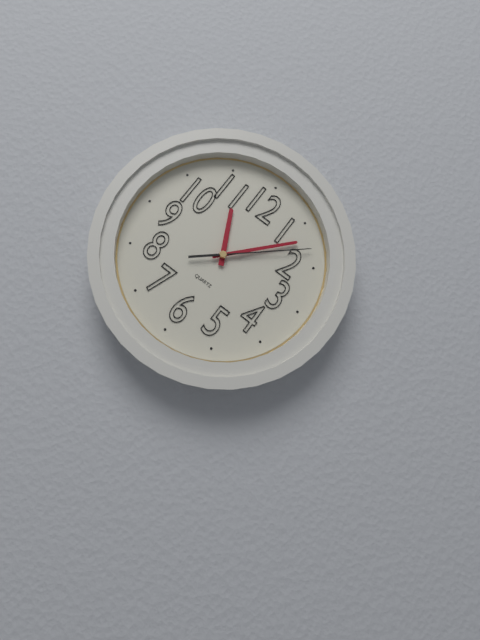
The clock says **11:07:08**
